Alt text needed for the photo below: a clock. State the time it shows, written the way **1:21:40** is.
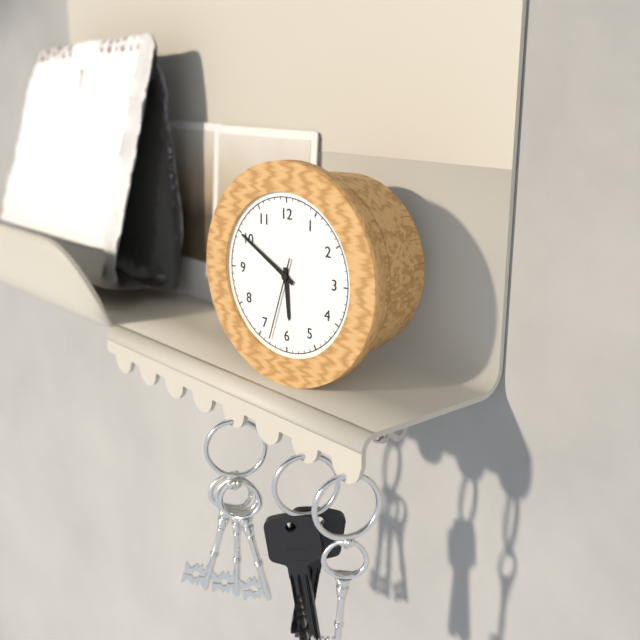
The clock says **5:50:33**
